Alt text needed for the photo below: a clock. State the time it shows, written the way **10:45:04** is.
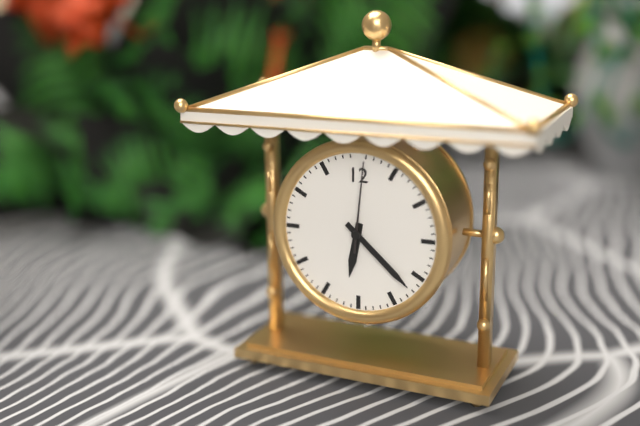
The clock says **6:22:01**
